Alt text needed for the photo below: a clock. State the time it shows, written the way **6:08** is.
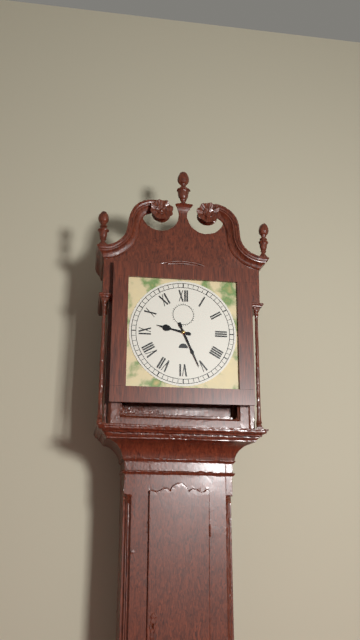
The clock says **9:26**
